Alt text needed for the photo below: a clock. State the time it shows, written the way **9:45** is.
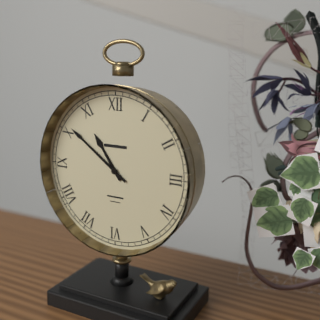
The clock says **10:51**
